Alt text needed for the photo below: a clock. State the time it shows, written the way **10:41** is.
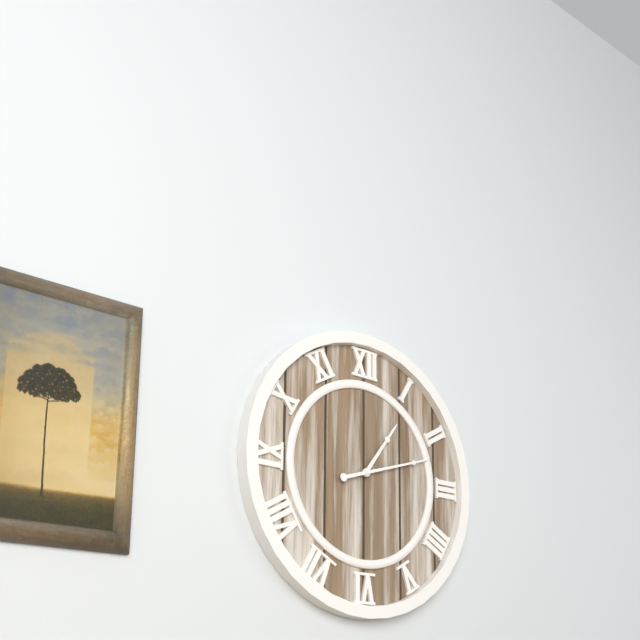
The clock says **1:12**
